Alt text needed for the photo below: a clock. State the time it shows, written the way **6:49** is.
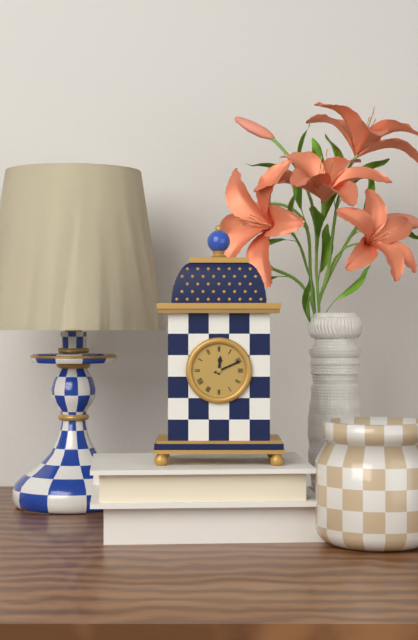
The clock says **12:11**
